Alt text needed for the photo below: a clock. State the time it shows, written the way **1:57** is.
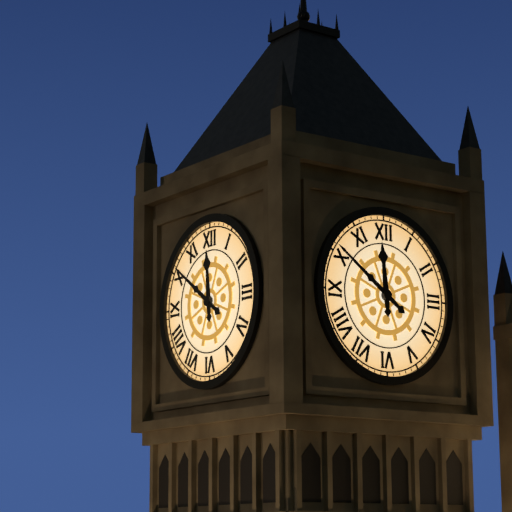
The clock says **11:51**
